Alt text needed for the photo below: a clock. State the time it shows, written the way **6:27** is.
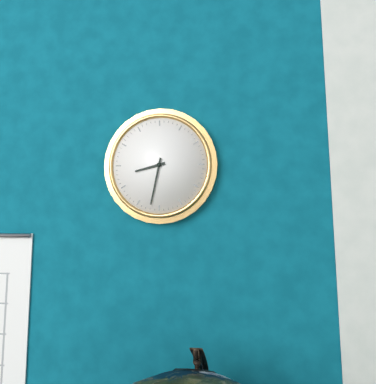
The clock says **8:32**
